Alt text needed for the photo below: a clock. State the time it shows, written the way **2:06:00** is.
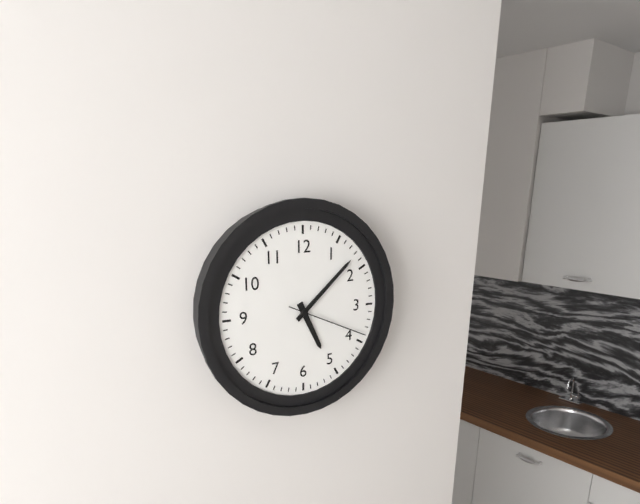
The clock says **5:08:19**
